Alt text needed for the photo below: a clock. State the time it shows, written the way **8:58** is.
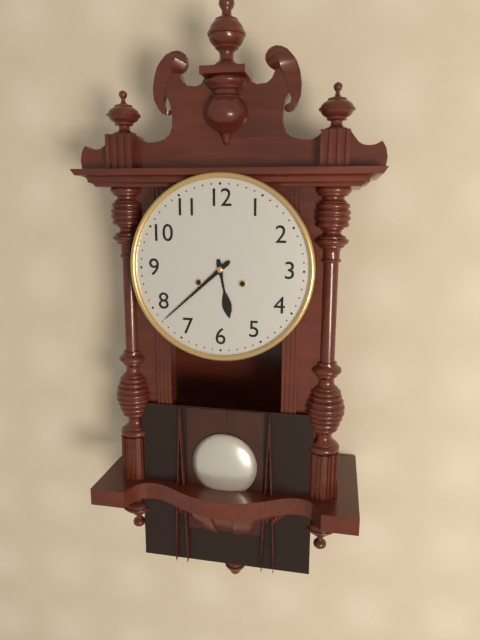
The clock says **5:38**
